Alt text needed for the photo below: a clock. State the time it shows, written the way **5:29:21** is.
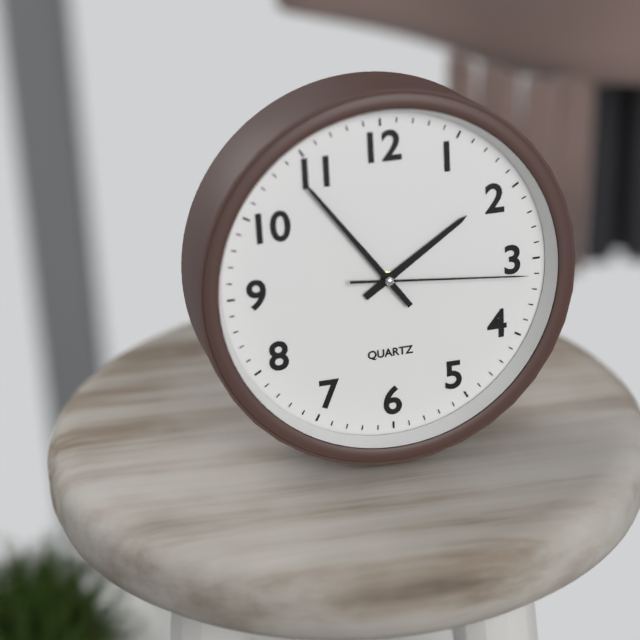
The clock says **1:54:16**
